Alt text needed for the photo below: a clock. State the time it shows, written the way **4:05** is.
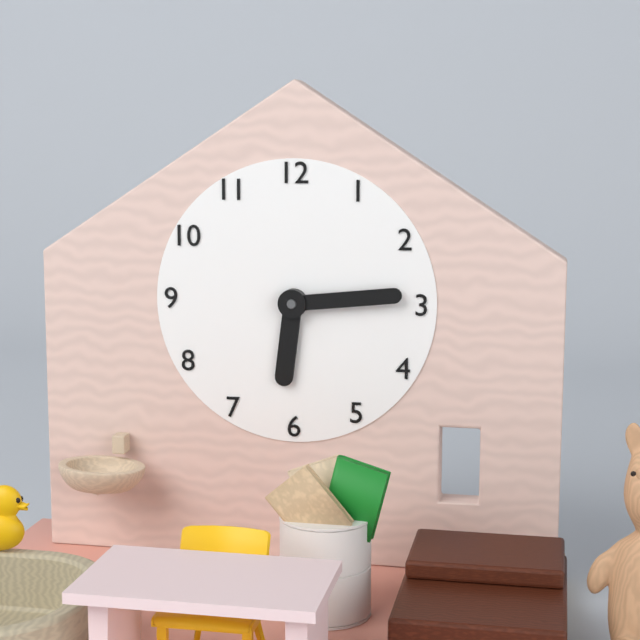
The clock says **6:14**
